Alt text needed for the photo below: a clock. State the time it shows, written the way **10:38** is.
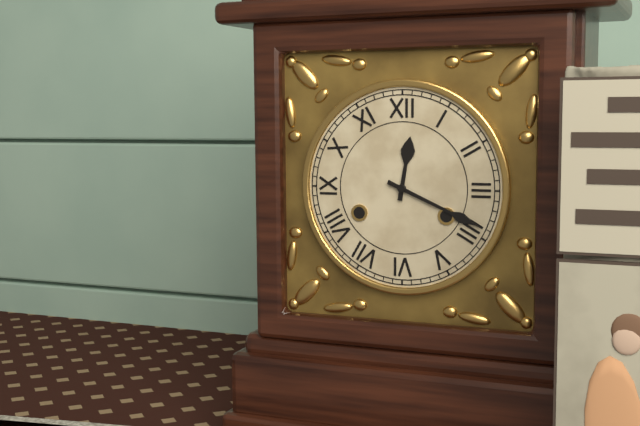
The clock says **12:19**
